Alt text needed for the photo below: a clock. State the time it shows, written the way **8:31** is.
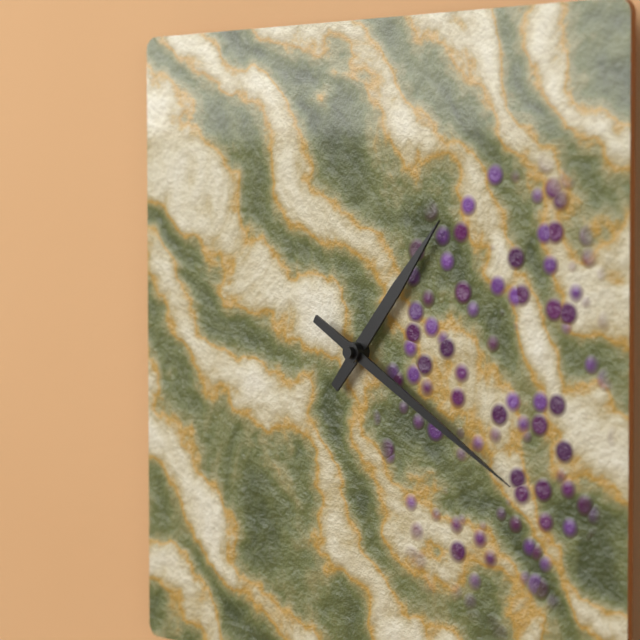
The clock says **1:20**
